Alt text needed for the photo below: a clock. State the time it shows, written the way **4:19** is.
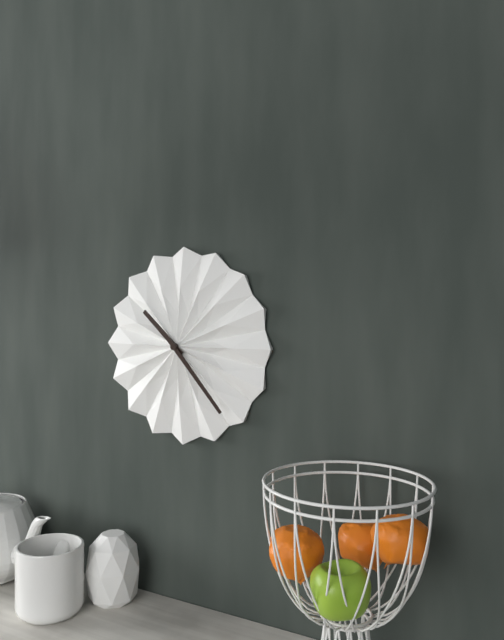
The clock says **10:23**
